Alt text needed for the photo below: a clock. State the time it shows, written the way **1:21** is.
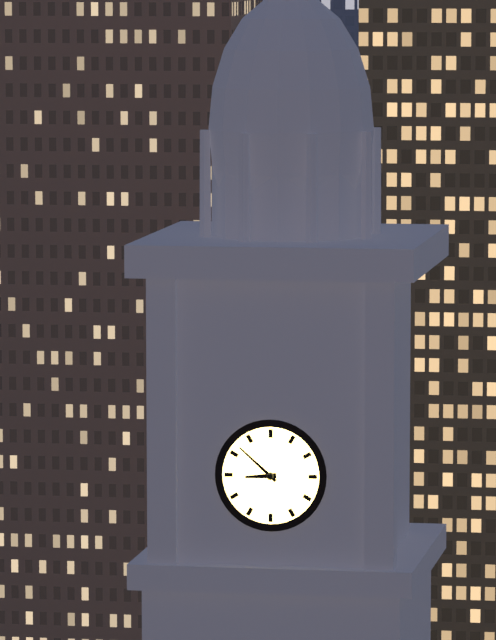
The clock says **8:52**
